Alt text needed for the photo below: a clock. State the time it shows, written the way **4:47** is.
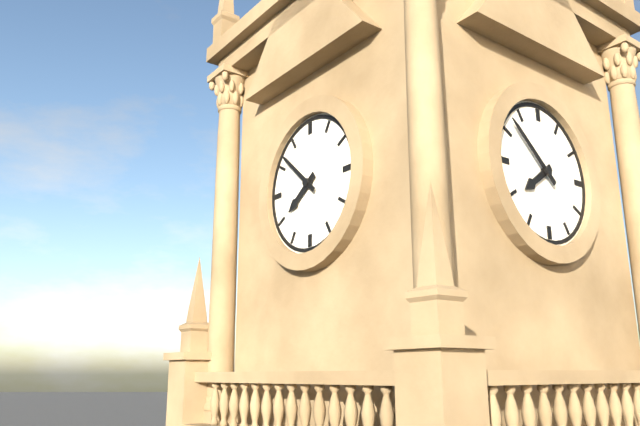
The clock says **7:52**
